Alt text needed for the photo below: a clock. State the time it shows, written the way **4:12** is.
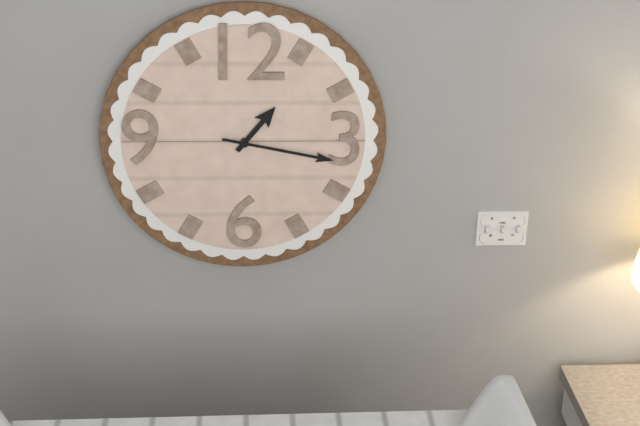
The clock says **1:17**
